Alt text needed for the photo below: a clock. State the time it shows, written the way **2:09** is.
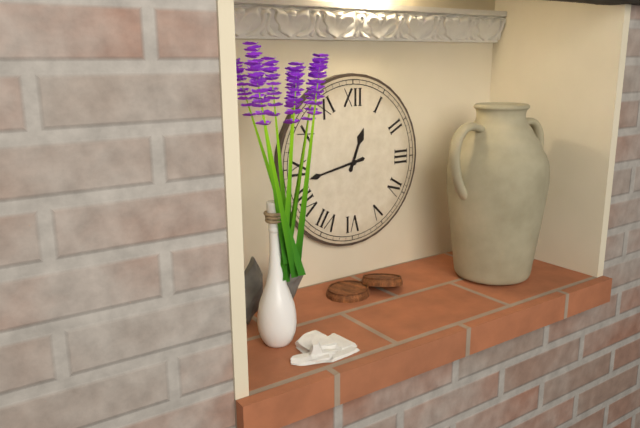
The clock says **12:43**
